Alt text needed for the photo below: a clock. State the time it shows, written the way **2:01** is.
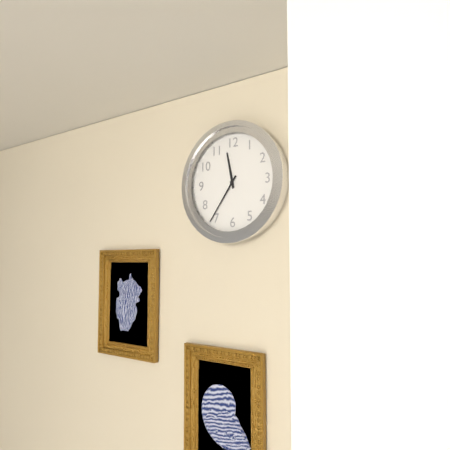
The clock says **11:36**
